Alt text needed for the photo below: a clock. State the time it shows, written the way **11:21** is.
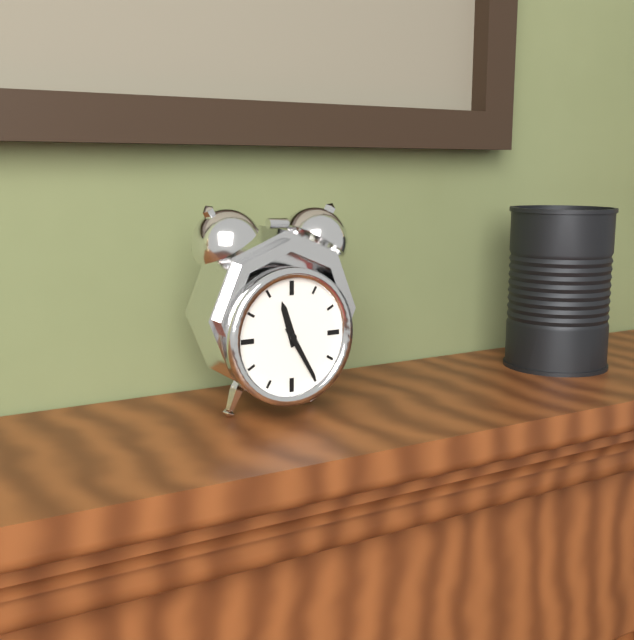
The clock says **11:25**
